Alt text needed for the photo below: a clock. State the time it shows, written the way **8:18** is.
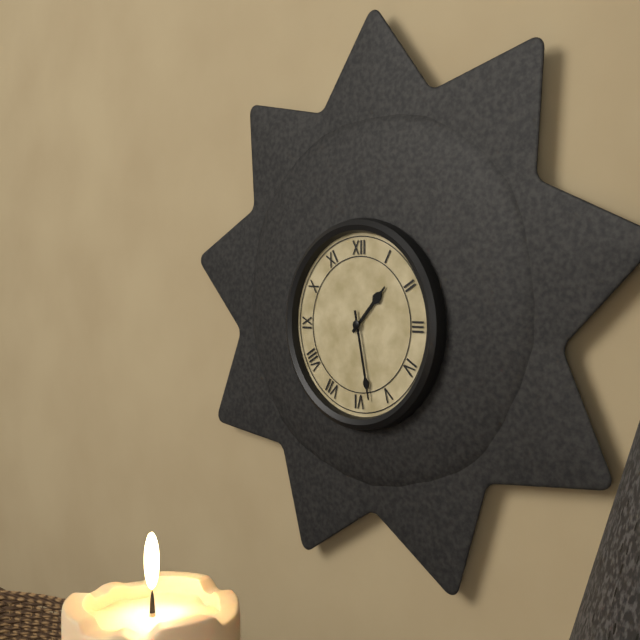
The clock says **1:28**
